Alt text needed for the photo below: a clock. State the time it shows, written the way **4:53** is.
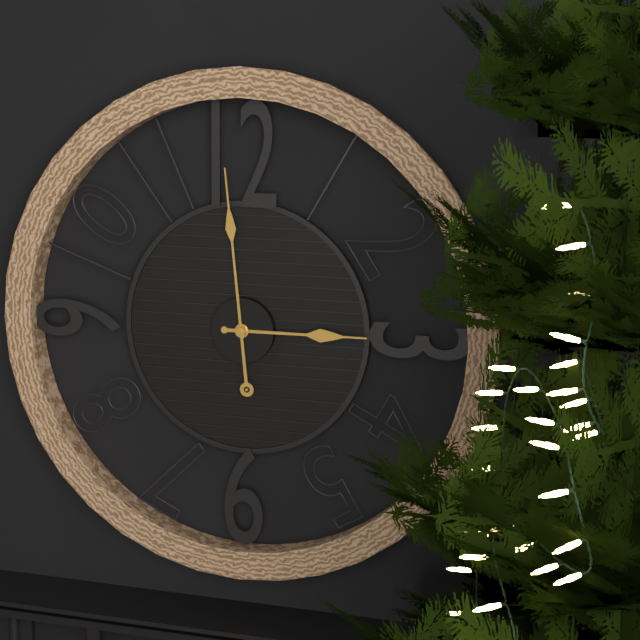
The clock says **2:59**
